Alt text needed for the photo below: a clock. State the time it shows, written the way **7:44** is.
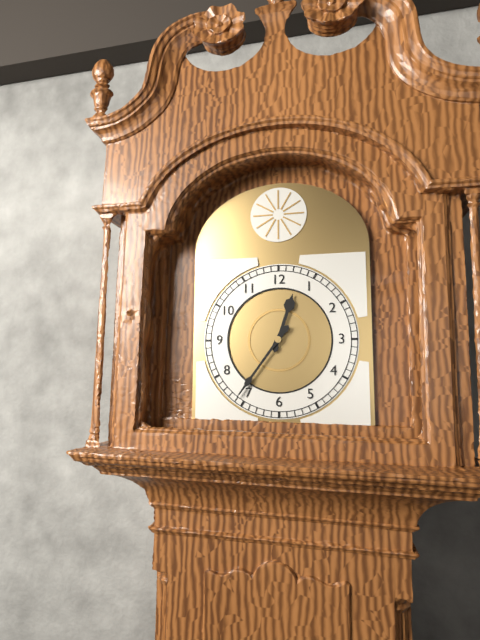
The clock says **12:36**
